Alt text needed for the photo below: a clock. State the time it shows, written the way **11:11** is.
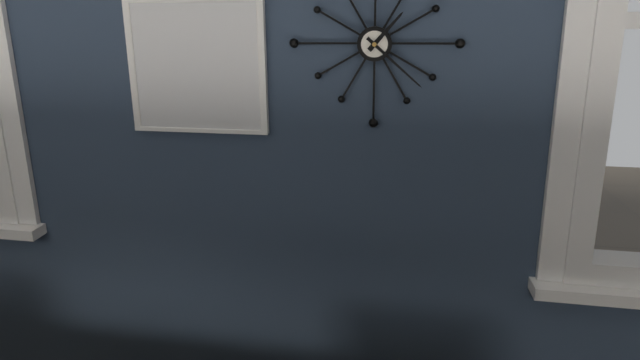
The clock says **1:22**
